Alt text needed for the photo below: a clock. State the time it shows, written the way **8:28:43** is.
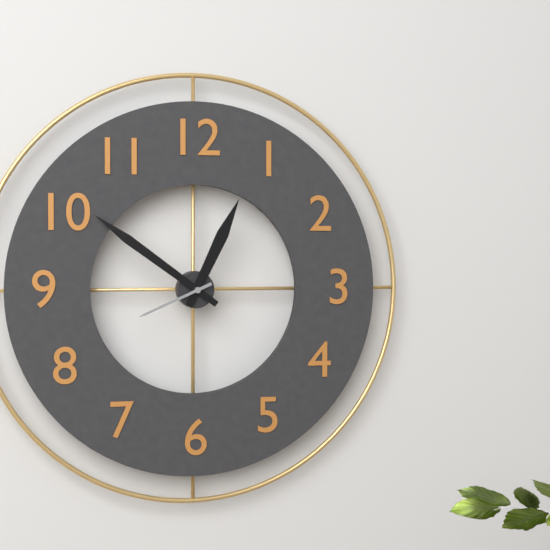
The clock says **12:51:41**
